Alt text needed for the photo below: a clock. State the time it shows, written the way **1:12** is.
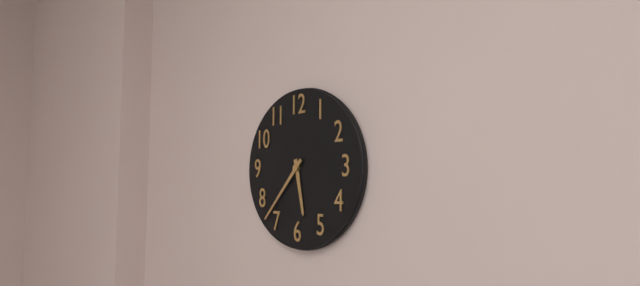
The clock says **5:37**
